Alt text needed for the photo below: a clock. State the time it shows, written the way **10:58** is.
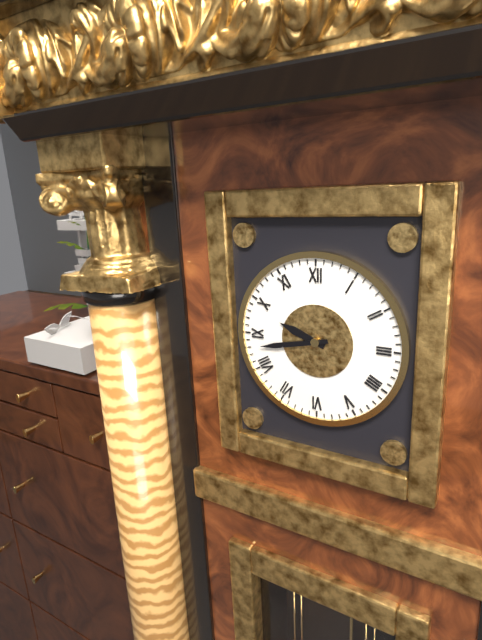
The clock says **9:43**
